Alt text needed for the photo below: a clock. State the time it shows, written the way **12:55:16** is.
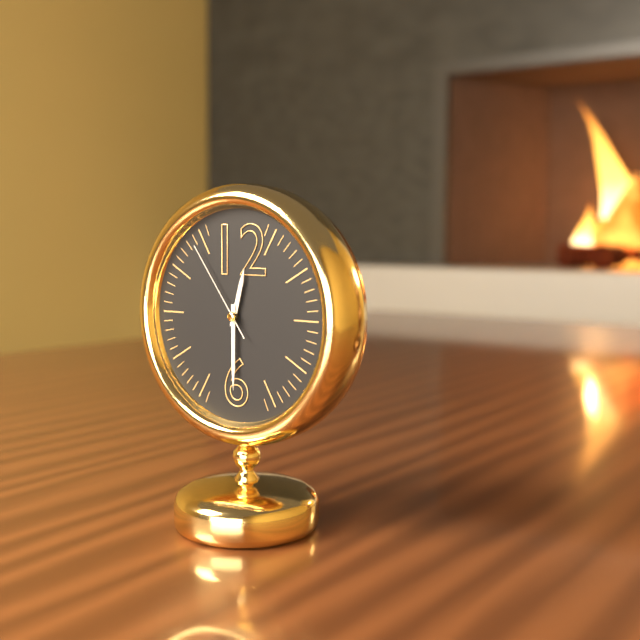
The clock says **12:30:54**
